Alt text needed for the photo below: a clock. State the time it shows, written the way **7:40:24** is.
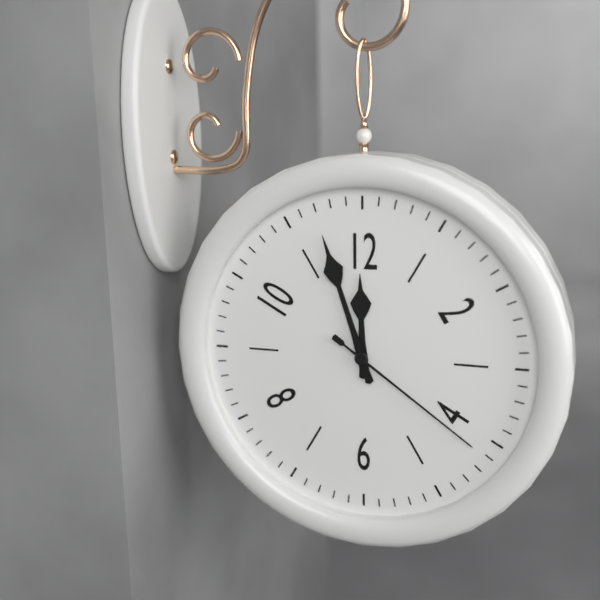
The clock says **11:57:21**
